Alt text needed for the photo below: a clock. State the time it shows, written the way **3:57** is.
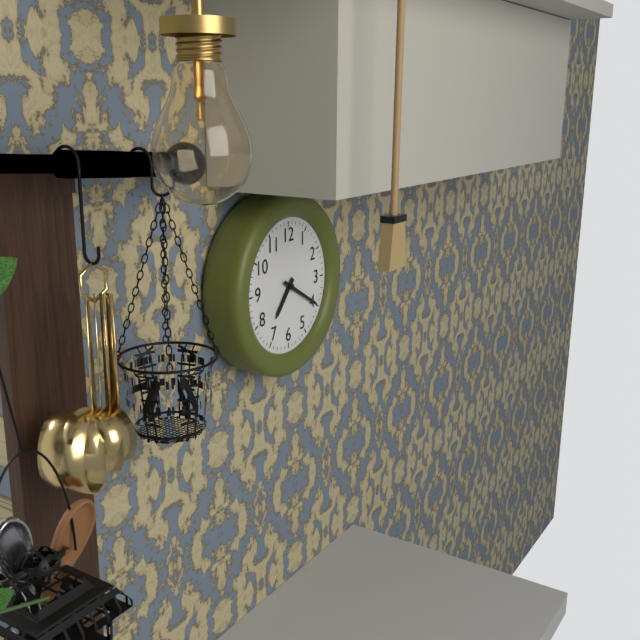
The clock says **7:20**
